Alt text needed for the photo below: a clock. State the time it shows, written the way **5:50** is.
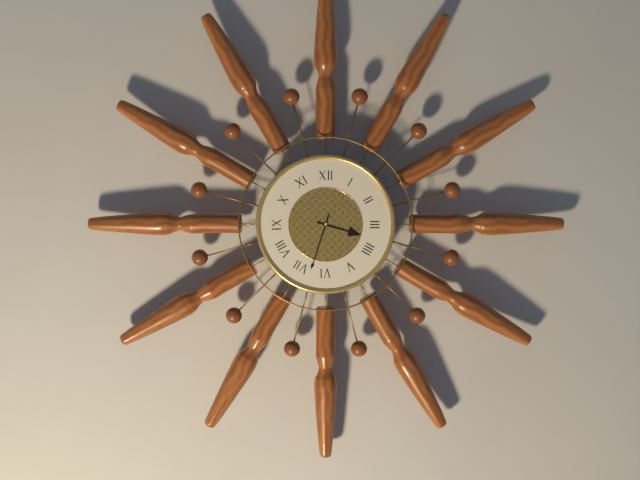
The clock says **3:33**
